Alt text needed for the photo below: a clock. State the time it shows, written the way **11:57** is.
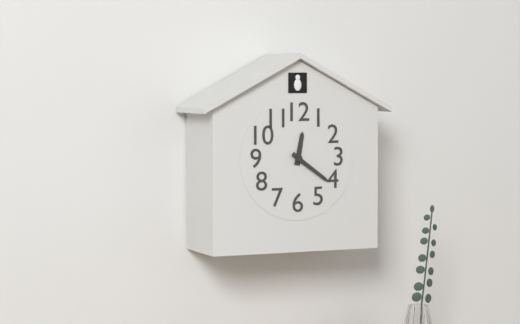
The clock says **12:21**
